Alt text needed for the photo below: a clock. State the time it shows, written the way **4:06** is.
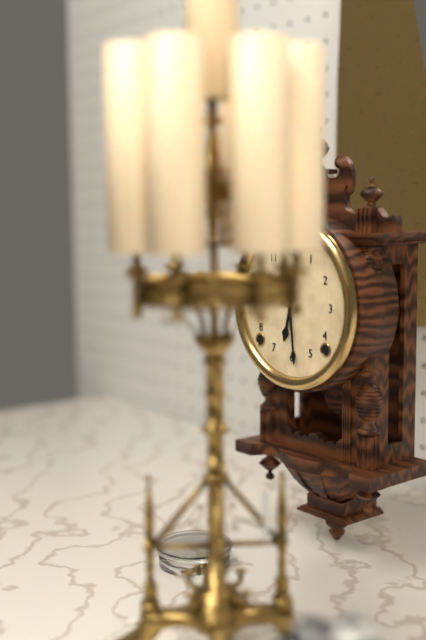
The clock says **6:29**
